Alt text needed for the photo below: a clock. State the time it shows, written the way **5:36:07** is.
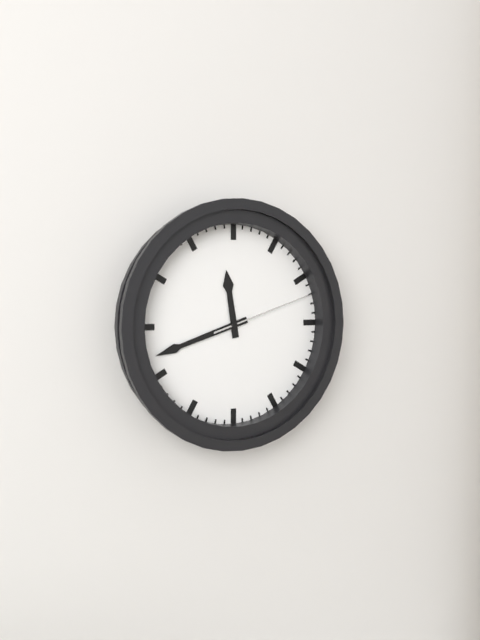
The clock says **11:42:12**
